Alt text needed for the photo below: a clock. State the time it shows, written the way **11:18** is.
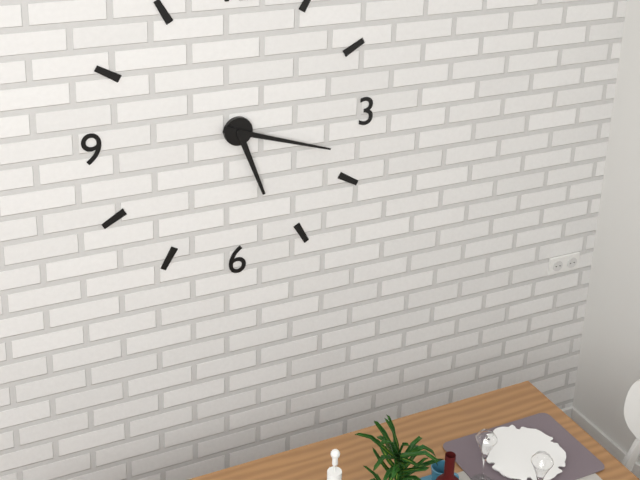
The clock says **5:18**
